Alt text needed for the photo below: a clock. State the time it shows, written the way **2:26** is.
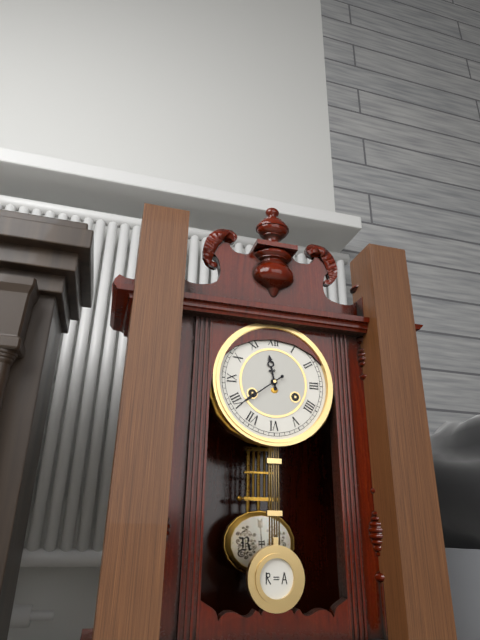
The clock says **11:39**
